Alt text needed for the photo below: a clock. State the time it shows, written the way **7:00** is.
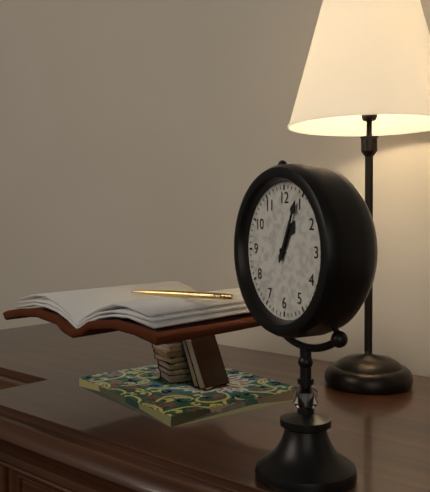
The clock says **1:04**
